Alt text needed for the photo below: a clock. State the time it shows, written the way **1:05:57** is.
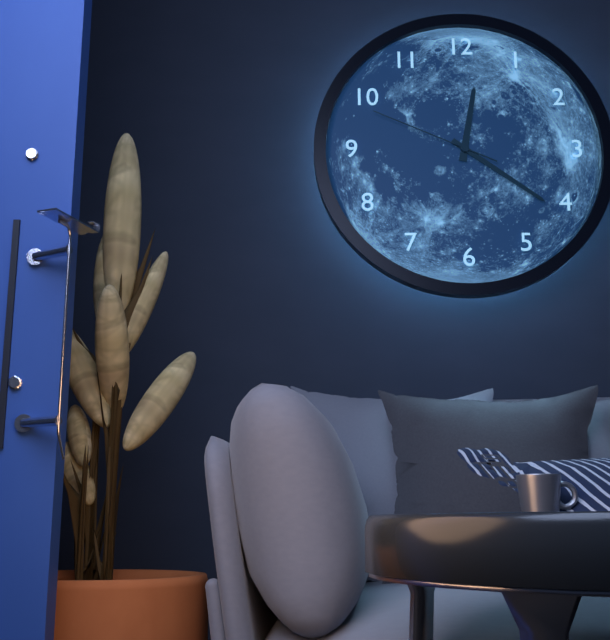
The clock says **12:21:49**
